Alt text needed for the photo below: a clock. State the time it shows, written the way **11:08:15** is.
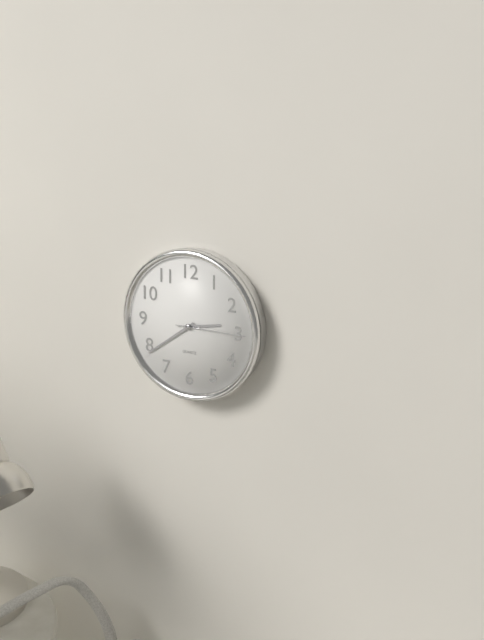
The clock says **2:39:15**
